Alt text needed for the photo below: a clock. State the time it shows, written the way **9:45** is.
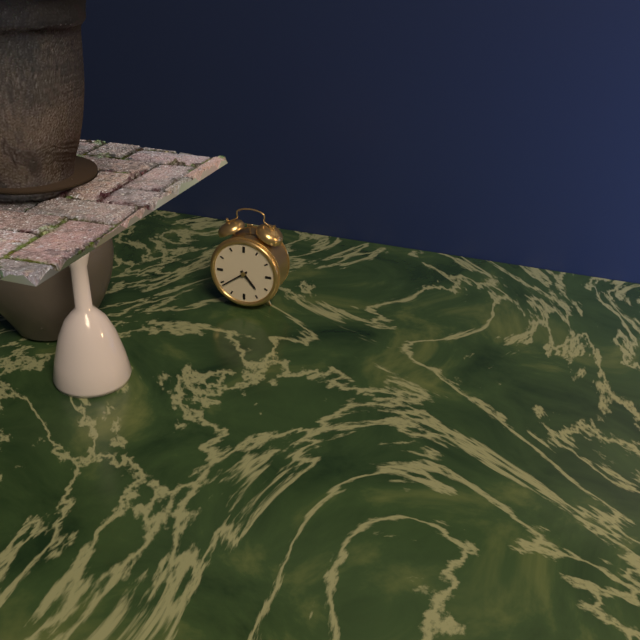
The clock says **4:39**
